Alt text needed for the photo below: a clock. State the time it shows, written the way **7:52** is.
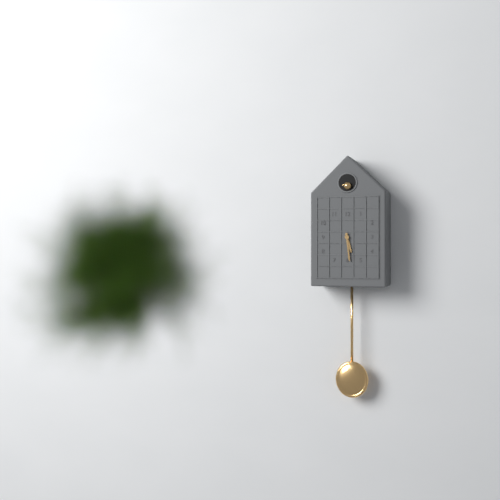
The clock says **5:29**
